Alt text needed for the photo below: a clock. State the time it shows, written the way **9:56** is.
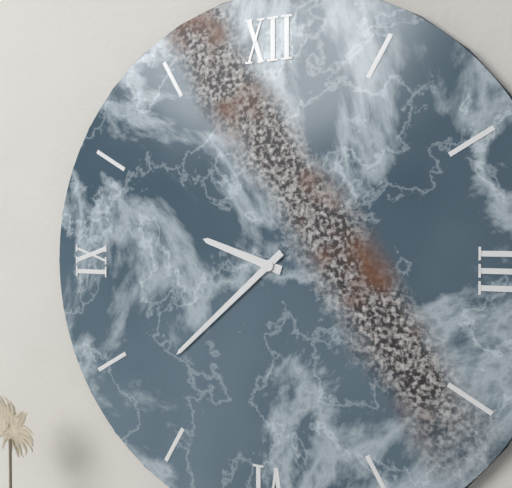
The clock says **9:38**
